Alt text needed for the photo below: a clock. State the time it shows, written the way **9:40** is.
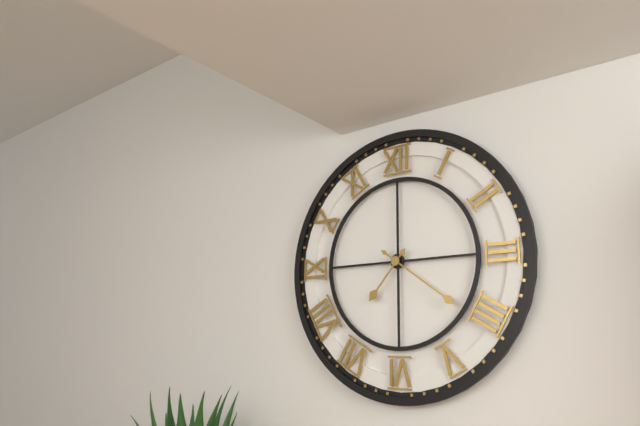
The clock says **7:21**
